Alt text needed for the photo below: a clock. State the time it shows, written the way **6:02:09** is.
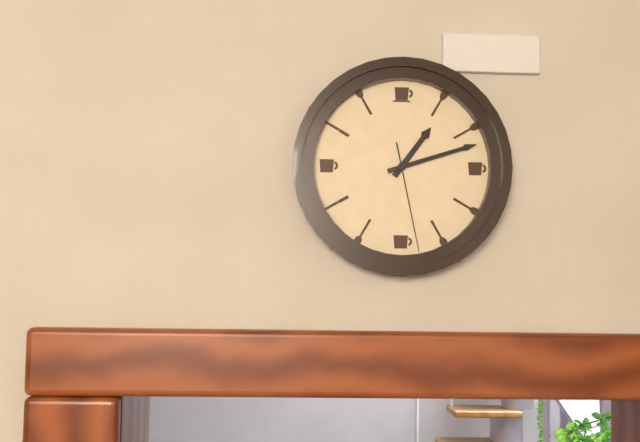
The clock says **1:12:28**
